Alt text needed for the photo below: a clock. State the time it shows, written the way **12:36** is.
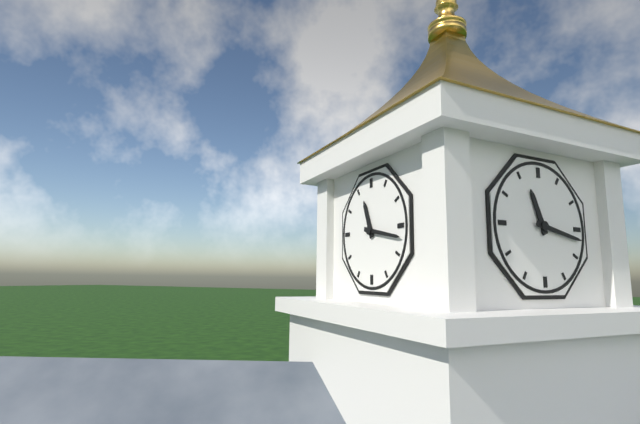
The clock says **11:17**
